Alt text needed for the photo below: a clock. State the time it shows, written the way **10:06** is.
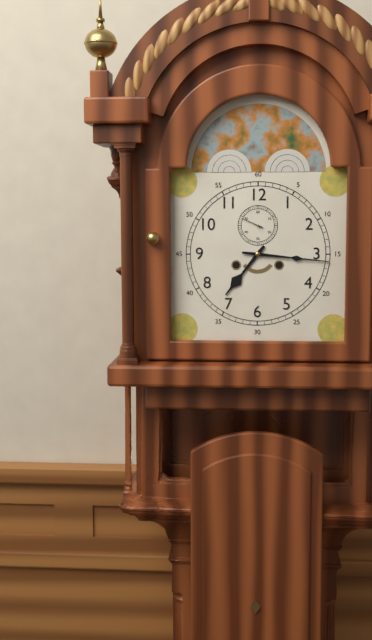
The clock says **7:16**
